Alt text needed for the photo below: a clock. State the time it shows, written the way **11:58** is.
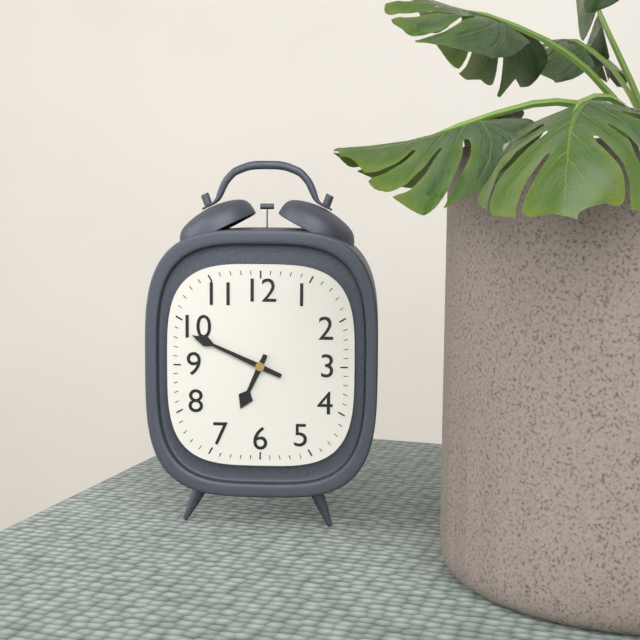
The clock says **6:49**
